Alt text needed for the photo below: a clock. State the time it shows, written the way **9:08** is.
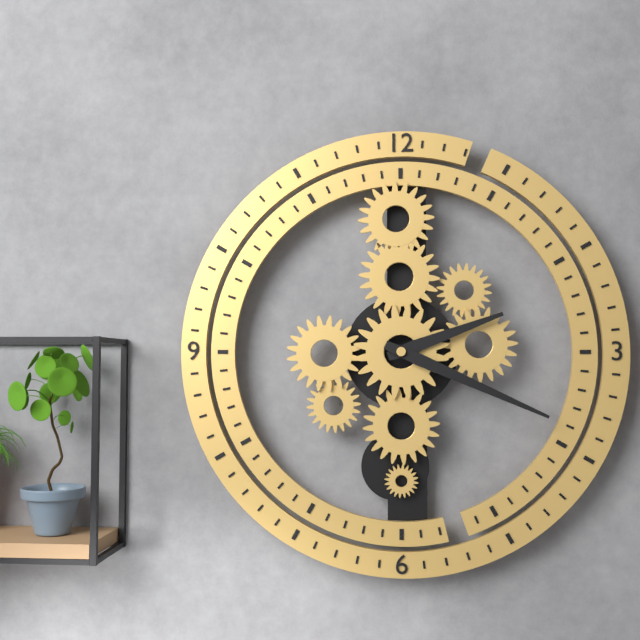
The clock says **2:19**
